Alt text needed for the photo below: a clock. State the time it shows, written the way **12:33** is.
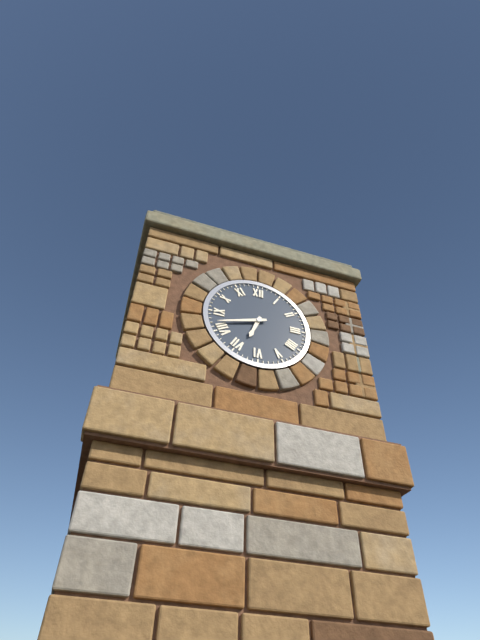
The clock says **6:42**
